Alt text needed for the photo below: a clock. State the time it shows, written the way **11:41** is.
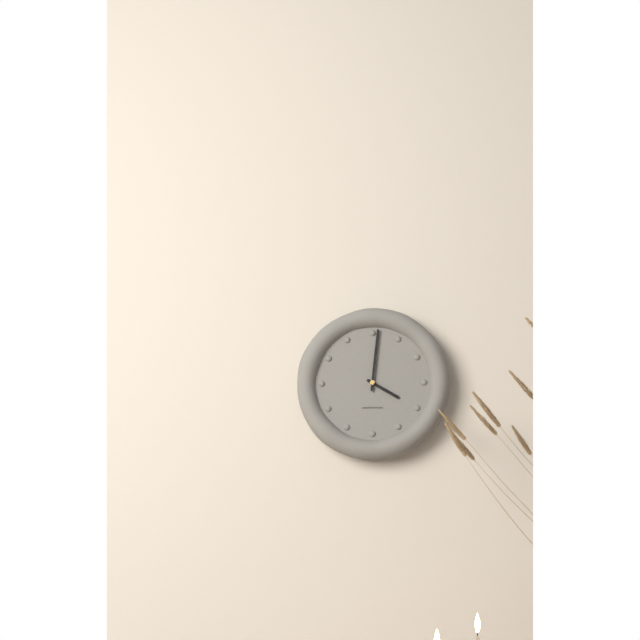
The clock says **4:01**
